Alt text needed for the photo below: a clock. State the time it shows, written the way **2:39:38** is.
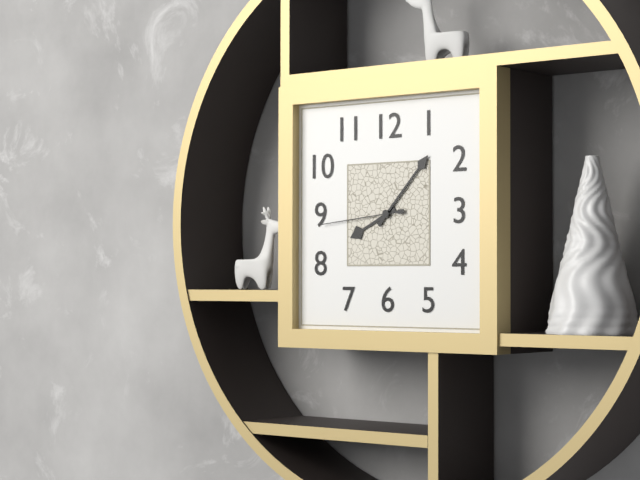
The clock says **8:07:44**
